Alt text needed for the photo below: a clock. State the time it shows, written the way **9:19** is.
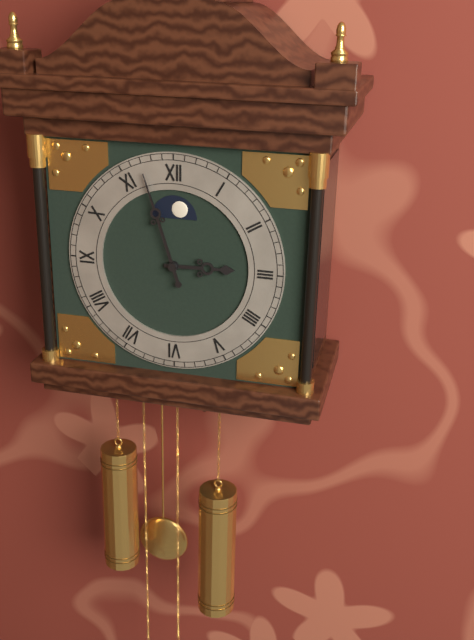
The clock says **2:57**
